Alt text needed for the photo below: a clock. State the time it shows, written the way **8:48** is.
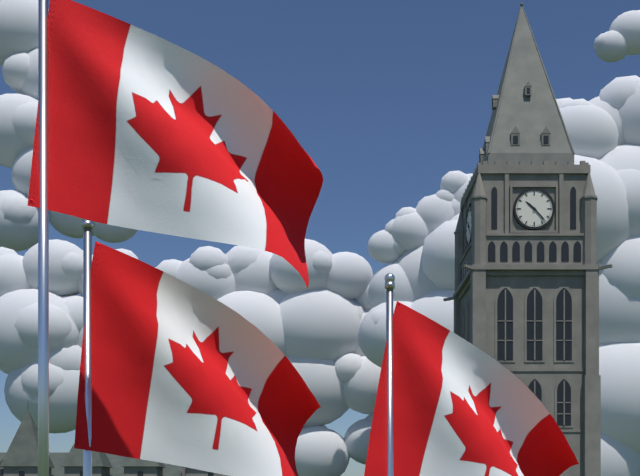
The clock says **10:23**
